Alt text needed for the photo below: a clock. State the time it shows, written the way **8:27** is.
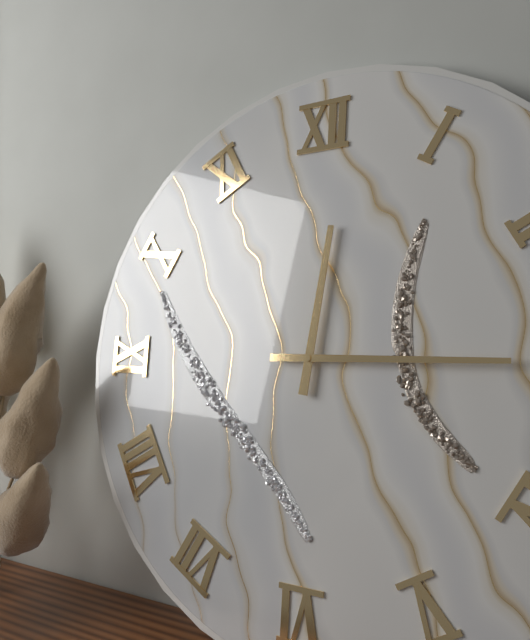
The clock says **12:15**
